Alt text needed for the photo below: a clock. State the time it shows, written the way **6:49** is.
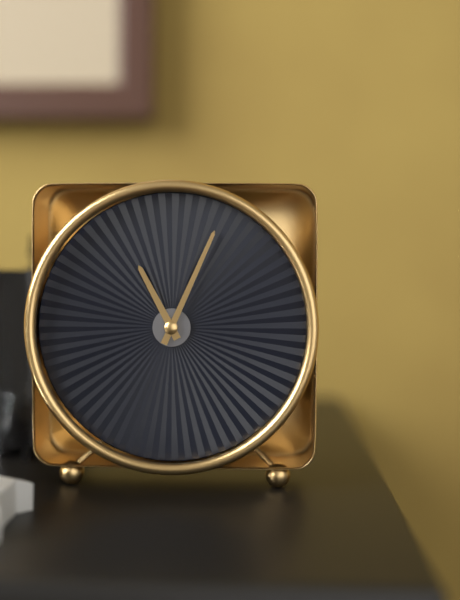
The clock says **11:04**
